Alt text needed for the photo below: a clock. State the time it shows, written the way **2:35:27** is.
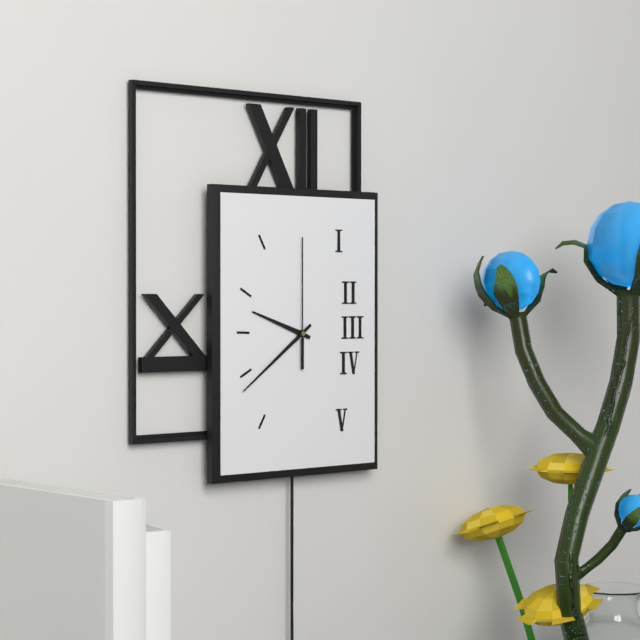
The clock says **9:39:00**
